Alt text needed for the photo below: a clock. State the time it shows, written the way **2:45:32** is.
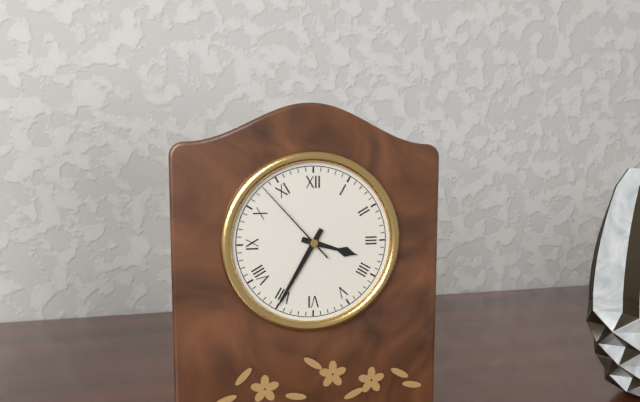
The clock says **3:35:53**
